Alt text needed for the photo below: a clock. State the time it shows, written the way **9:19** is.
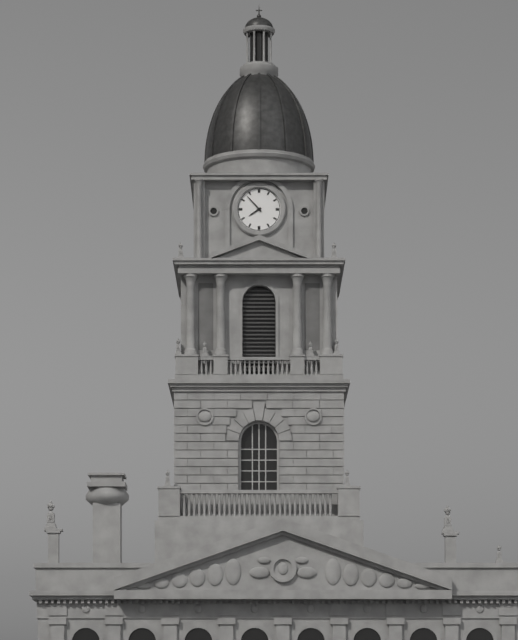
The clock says **7:53**
